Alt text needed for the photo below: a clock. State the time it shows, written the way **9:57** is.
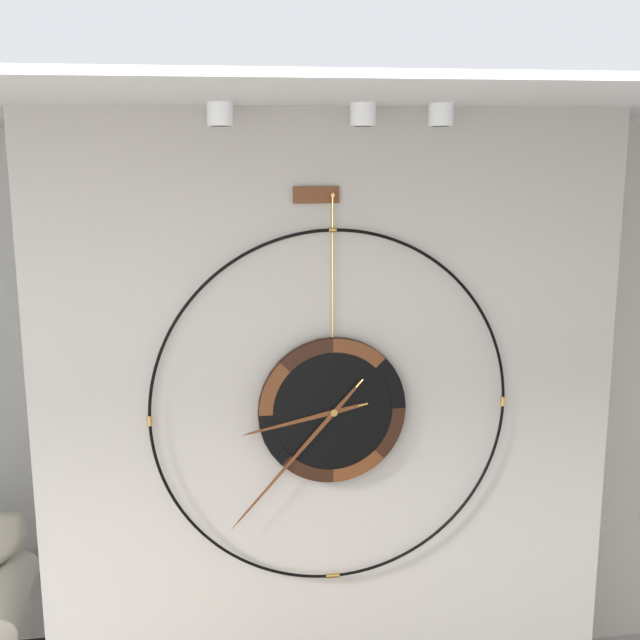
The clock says **8:37**
